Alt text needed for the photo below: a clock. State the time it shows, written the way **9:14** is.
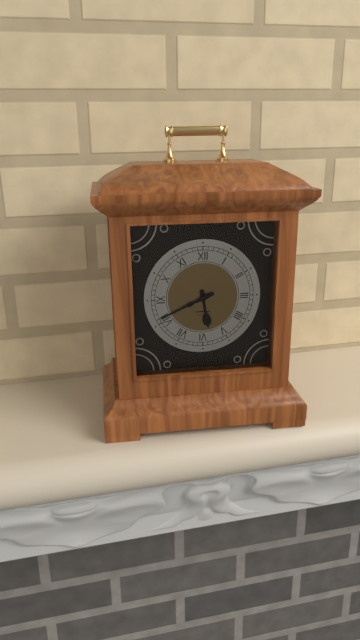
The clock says **5:41**
